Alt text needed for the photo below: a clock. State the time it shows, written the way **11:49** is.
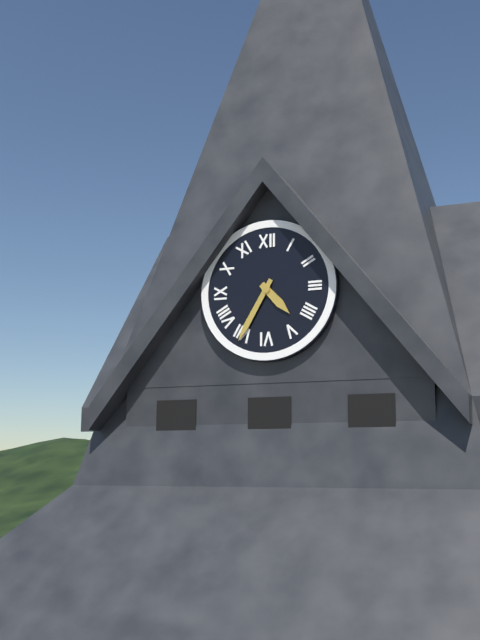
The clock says **4:35**
